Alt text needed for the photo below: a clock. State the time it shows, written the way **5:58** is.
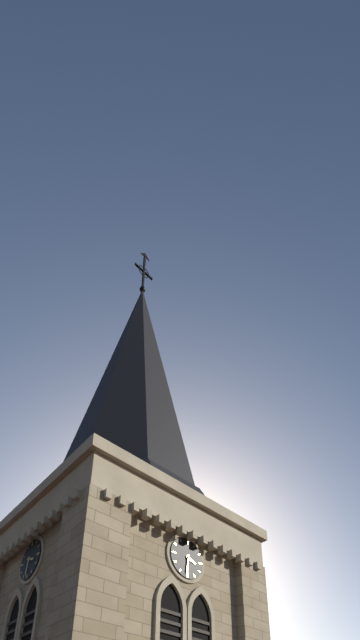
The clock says **3:31**
